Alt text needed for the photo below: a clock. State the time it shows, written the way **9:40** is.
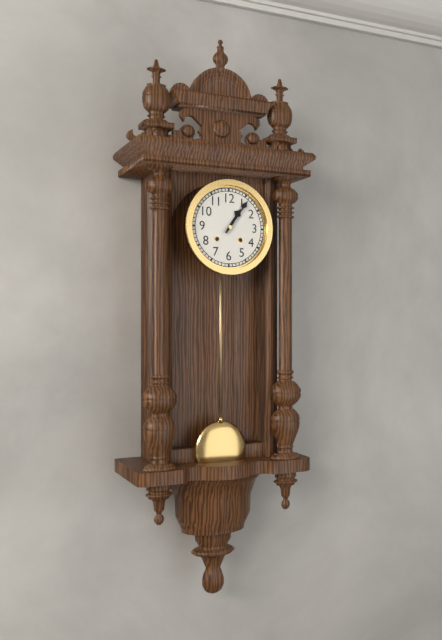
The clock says **1:06**
